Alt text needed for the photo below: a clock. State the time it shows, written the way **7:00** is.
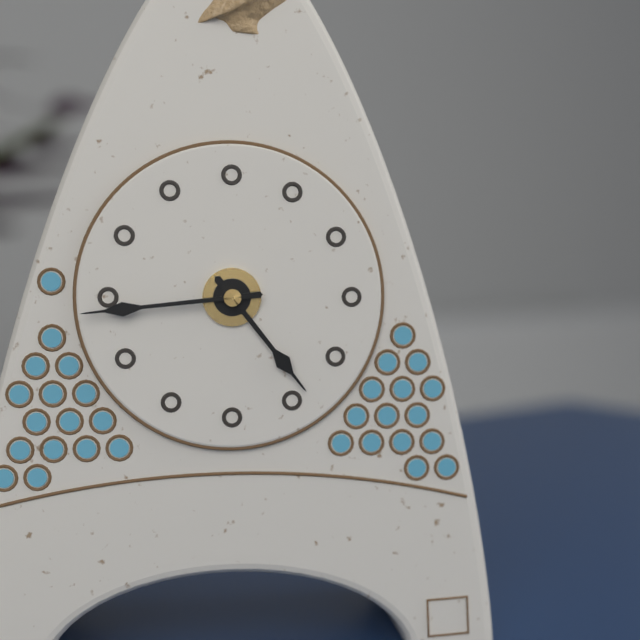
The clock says **4:44**
